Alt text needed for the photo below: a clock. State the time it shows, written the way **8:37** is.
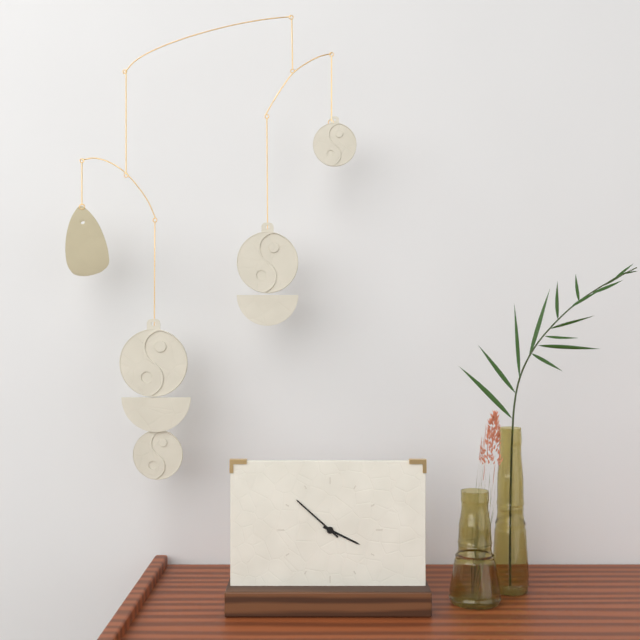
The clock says **3:52**
